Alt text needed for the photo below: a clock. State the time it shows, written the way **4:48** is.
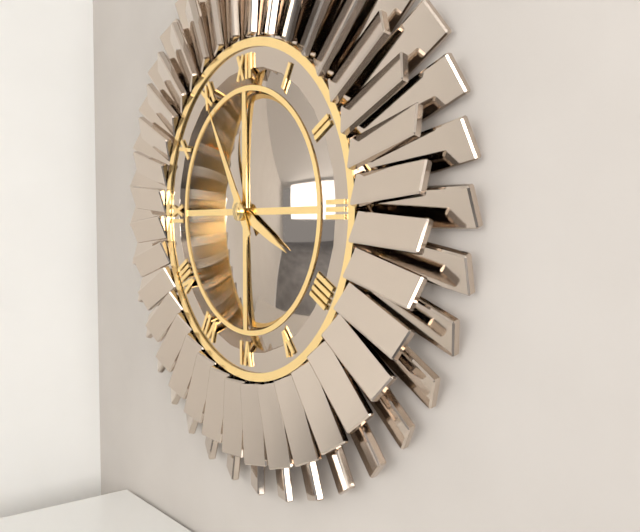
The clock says **3:55**
